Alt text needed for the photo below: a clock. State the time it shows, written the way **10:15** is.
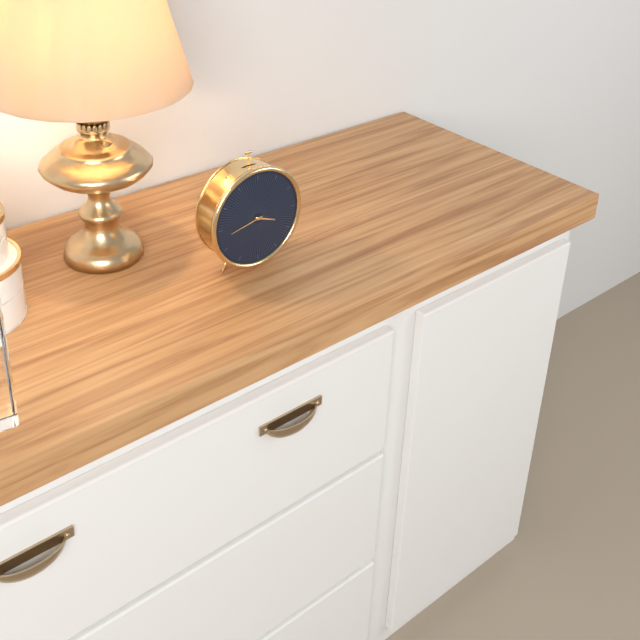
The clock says **3:43**
